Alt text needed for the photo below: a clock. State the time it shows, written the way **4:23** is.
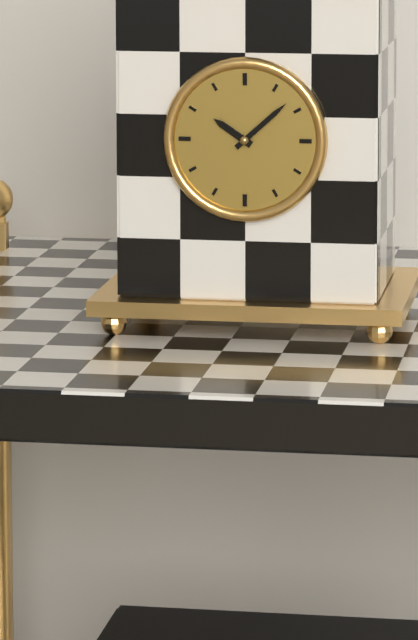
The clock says **10:08**
